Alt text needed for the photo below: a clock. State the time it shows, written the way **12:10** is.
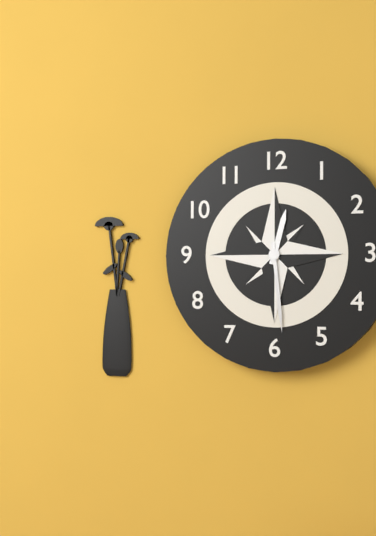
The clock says **12:29**
